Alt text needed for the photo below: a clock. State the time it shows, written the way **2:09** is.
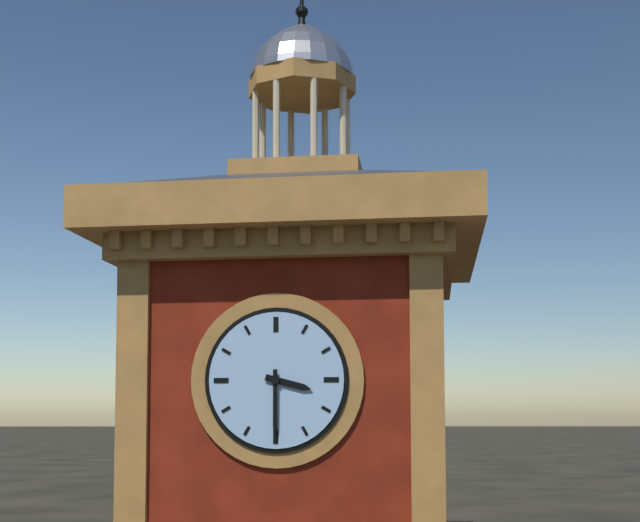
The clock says **3:30**
